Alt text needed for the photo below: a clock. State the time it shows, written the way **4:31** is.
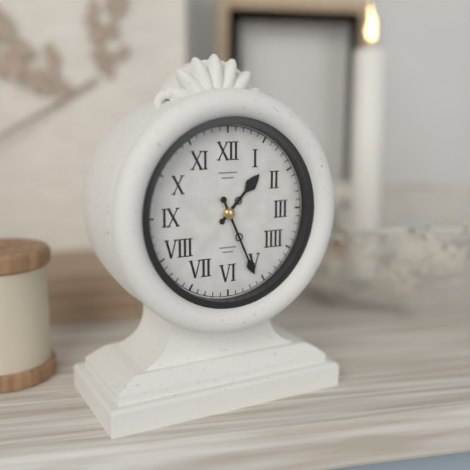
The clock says **1:26**
